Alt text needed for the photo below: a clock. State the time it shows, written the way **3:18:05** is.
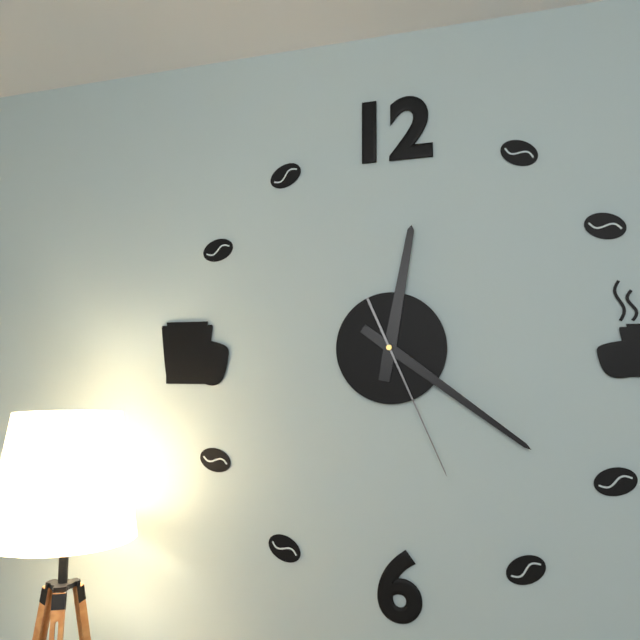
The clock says **12:21:26**
